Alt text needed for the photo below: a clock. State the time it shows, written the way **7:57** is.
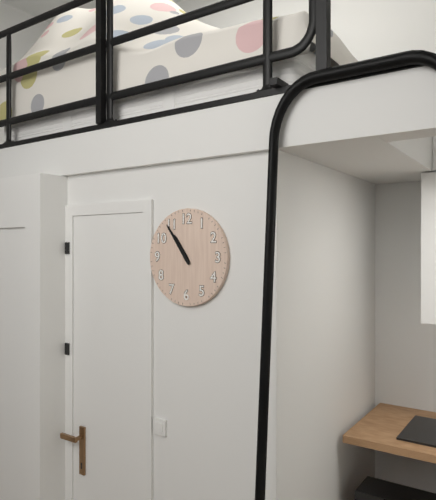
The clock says **10:54**
